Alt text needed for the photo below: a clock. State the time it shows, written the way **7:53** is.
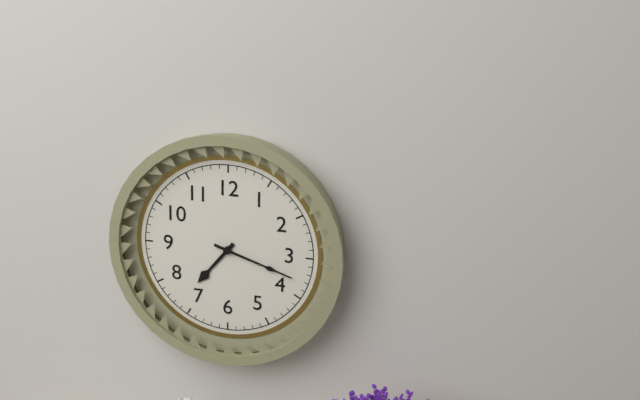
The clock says **7:18**
